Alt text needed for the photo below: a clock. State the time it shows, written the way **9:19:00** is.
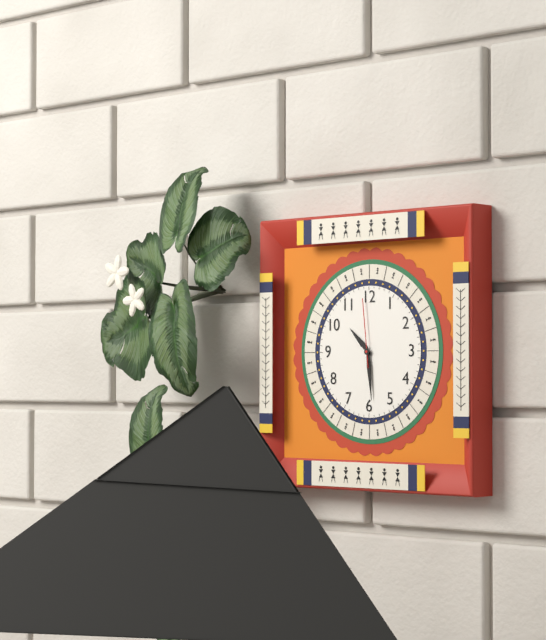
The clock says **10:29:59**
